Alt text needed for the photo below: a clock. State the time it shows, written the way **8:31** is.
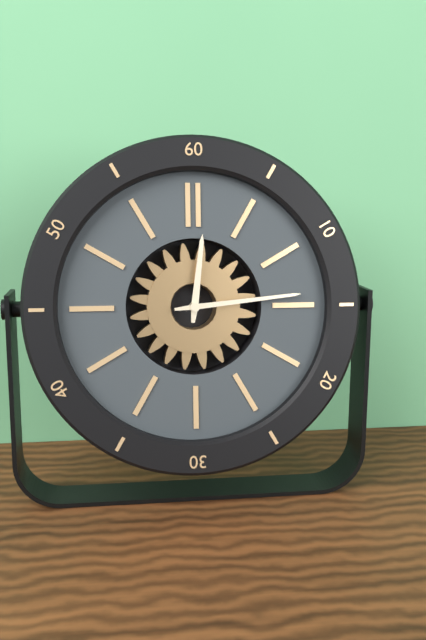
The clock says **12:14**
